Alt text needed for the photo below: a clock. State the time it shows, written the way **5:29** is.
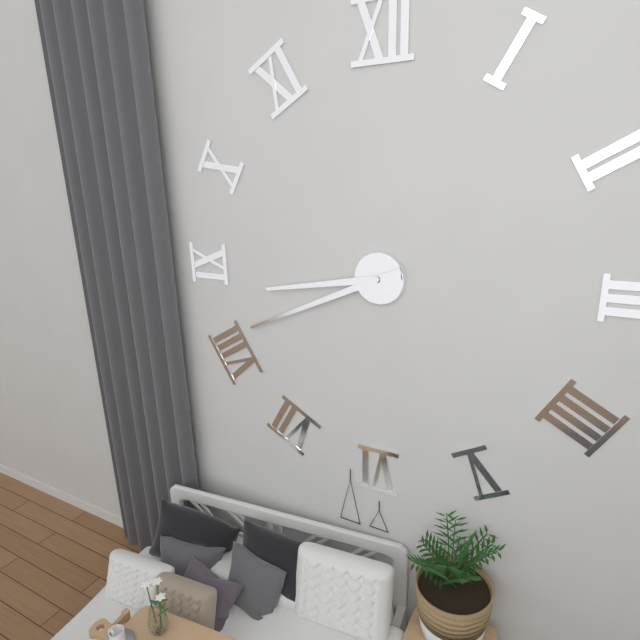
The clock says **8:41**
